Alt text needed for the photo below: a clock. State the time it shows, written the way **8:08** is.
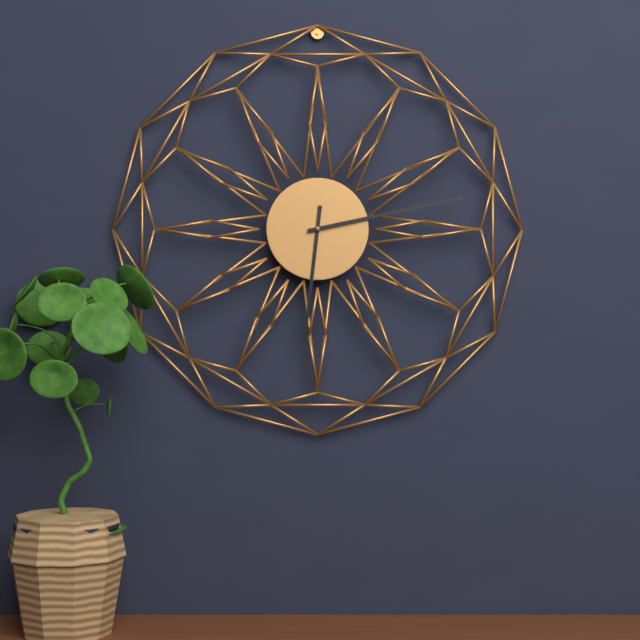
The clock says **6:13**
